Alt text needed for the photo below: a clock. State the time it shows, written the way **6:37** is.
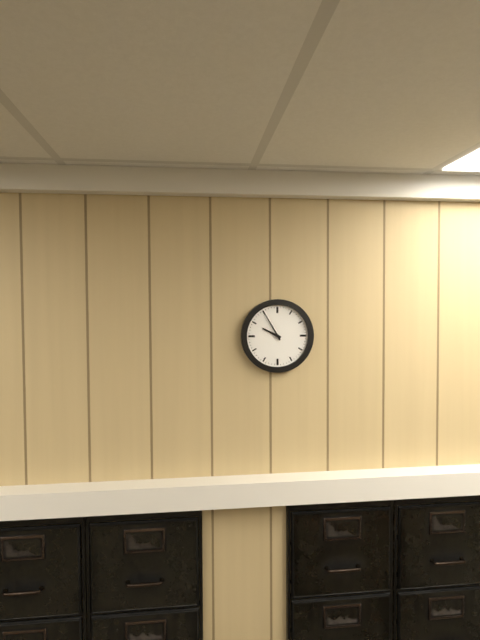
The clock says **9:55**
